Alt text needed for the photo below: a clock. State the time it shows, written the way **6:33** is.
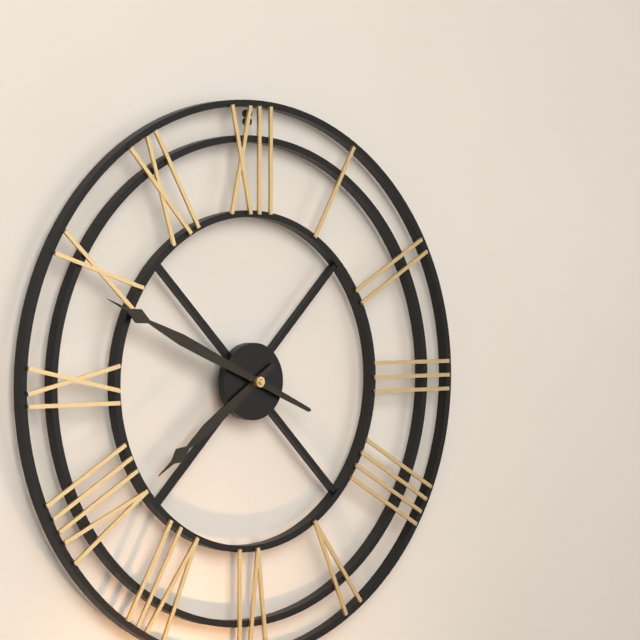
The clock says **7:49**
